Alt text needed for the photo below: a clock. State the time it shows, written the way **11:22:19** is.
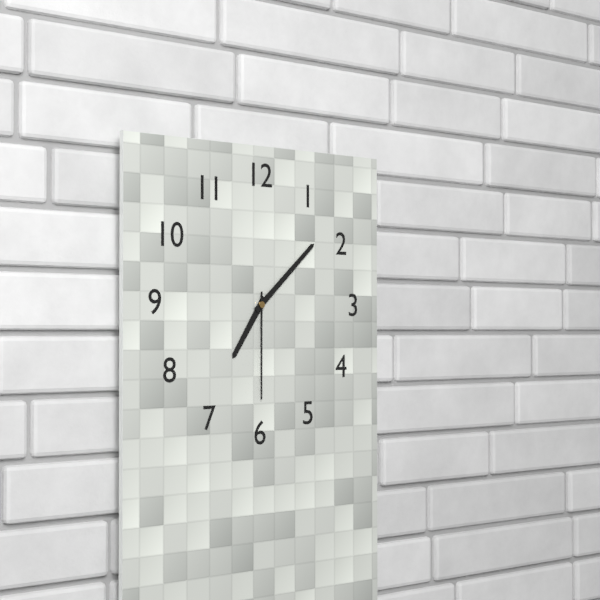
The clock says **7:08:30**
